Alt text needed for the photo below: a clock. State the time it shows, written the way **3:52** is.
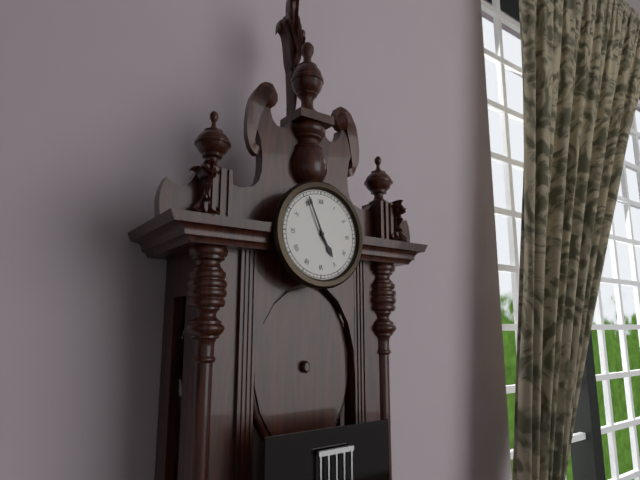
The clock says **4:56**
